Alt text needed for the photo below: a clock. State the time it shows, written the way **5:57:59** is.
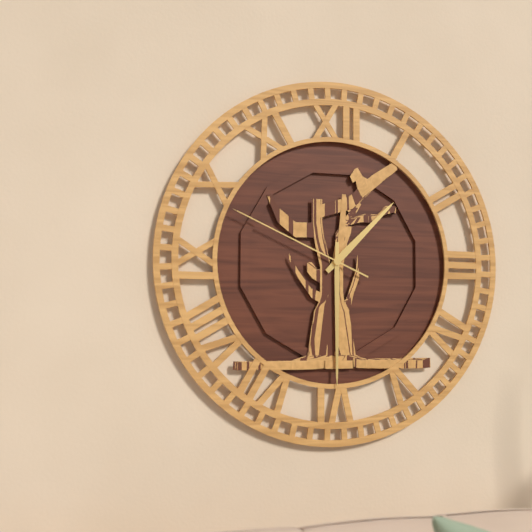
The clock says **1:30:49**
